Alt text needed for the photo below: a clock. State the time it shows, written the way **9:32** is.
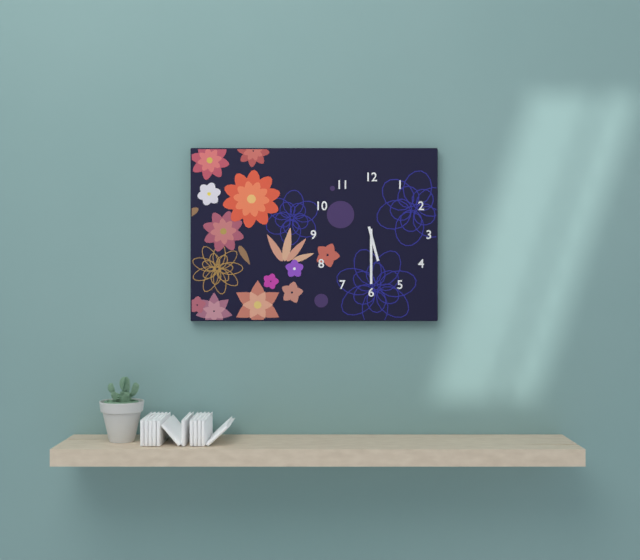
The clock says **5:30**
